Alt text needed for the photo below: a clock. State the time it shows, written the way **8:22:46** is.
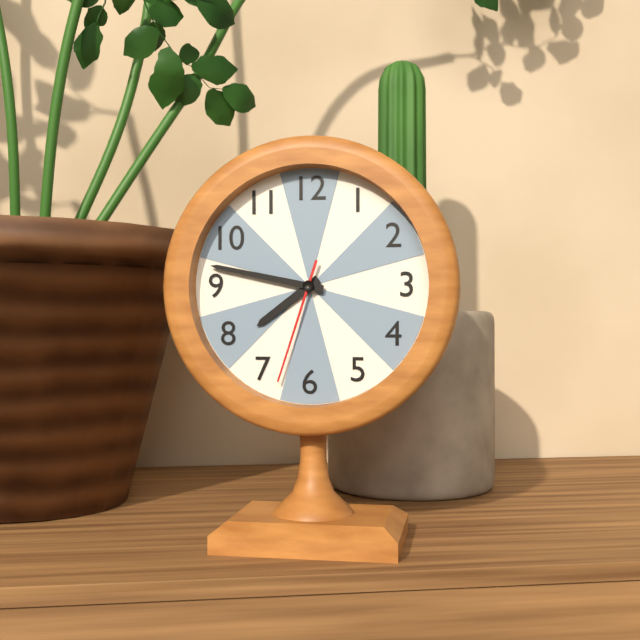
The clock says **7:47:33**
